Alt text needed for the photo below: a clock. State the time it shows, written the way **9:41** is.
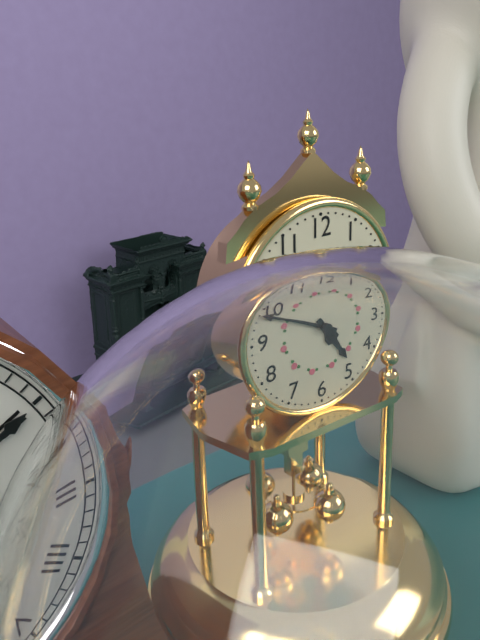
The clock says **4:49**
